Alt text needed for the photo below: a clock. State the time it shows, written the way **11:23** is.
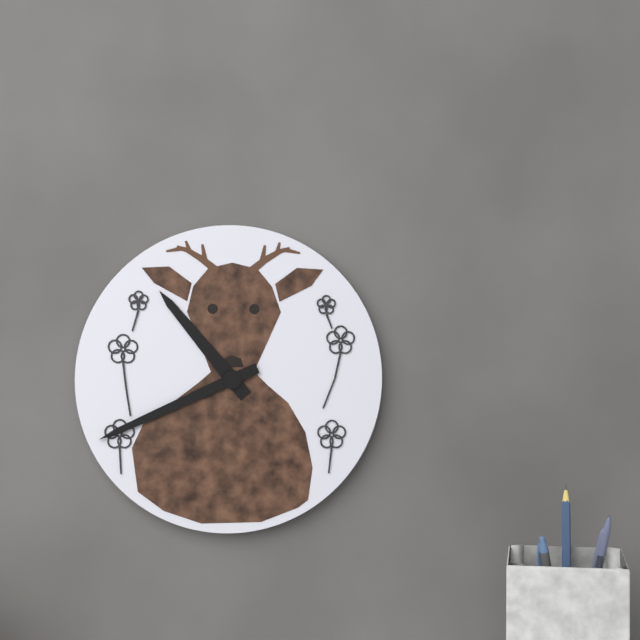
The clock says **10:41**
